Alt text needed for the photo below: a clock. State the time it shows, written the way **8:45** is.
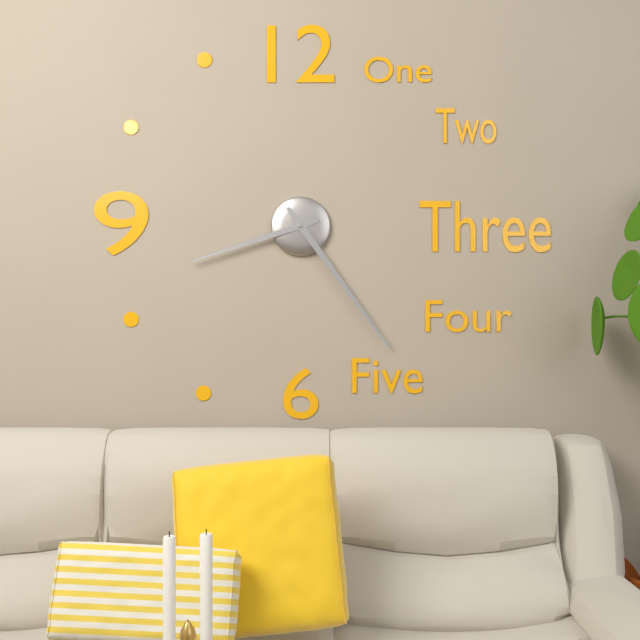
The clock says **8:24**
